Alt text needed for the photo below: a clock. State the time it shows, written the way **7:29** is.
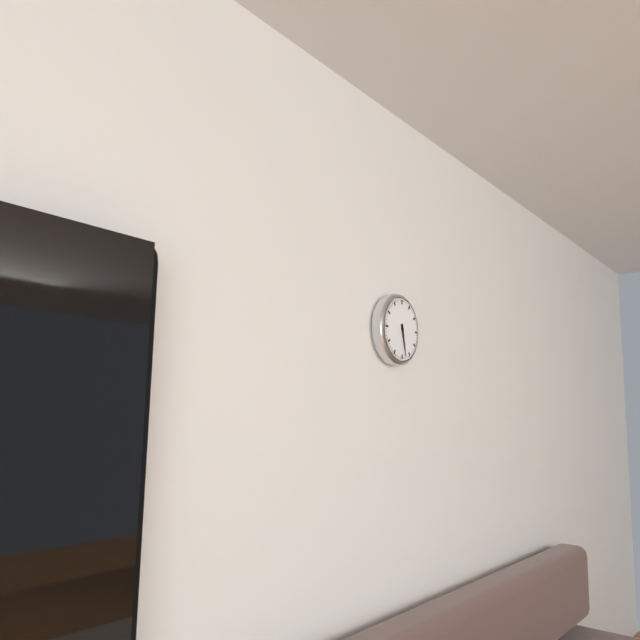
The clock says **5:28**
